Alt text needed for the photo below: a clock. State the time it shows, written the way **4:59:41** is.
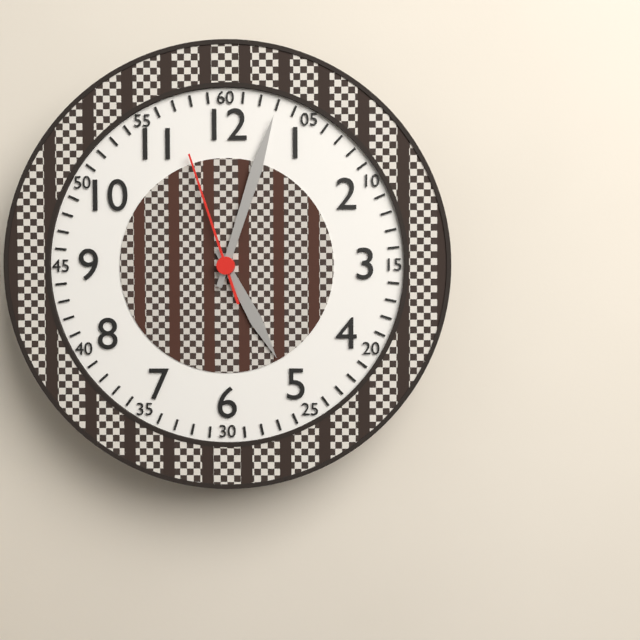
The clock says **5:03:57**
